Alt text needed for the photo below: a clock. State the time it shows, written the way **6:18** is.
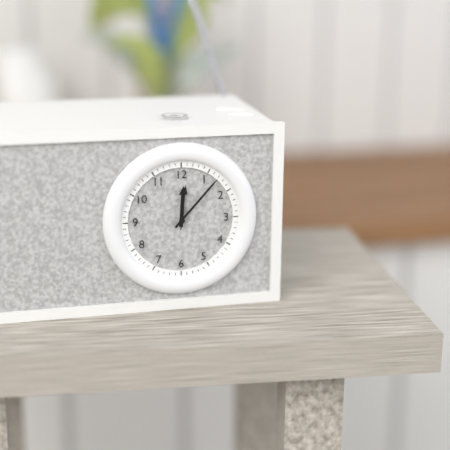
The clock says **12:07**
